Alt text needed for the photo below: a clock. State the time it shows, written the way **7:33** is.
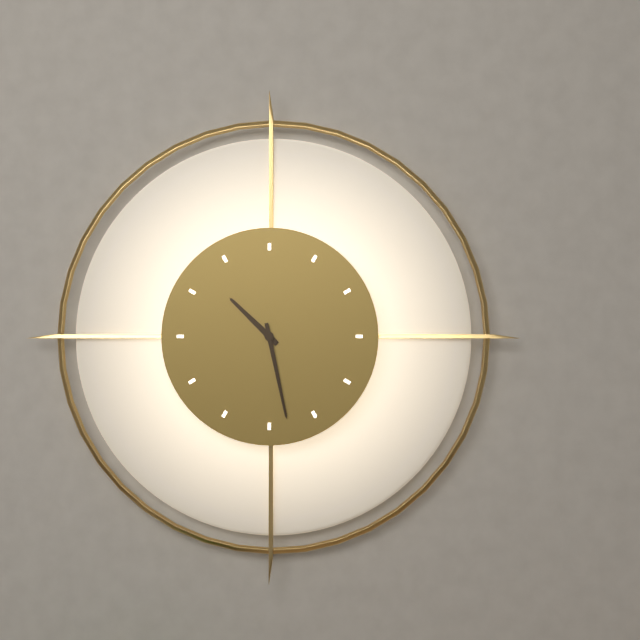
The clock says **10:28**
